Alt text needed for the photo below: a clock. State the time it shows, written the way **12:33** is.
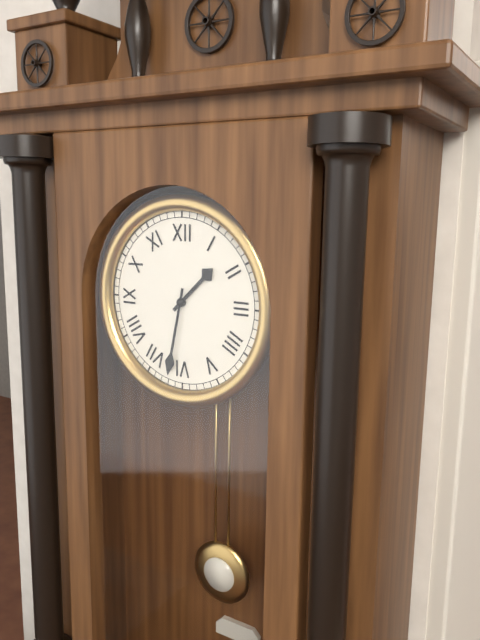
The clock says **1:32**
